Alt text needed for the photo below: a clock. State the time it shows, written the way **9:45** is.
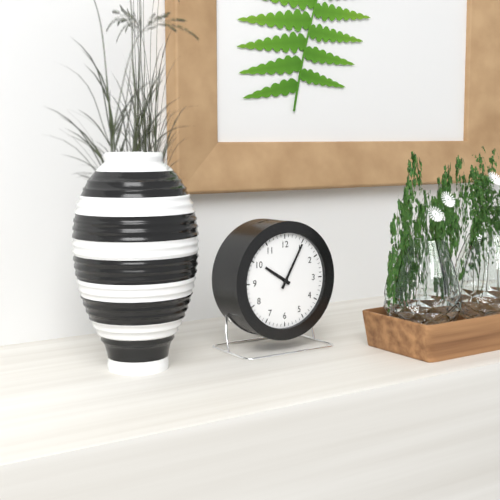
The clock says **10:05**
